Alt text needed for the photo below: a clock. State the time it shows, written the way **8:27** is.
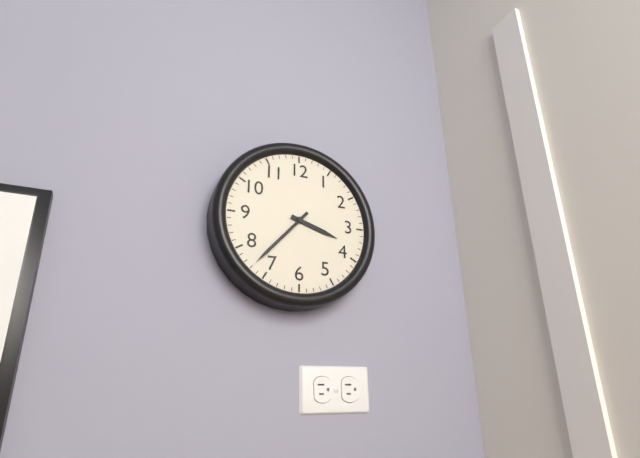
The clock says **3:37**
